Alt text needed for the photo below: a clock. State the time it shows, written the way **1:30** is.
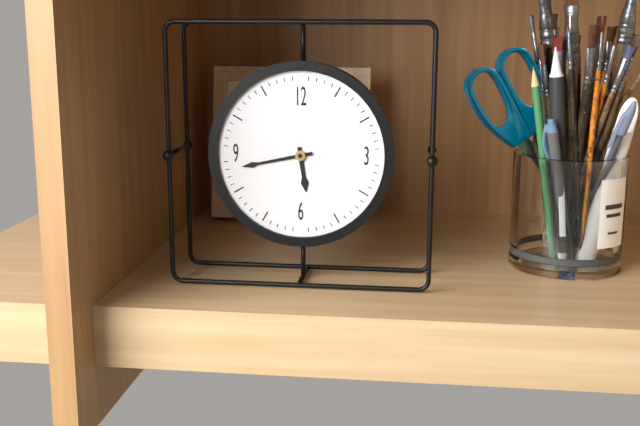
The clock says **5:43**
